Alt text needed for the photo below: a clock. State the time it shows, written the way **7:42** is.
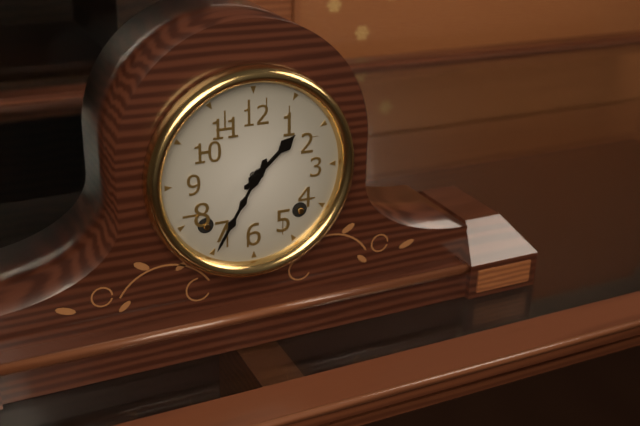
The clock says **1:35**
